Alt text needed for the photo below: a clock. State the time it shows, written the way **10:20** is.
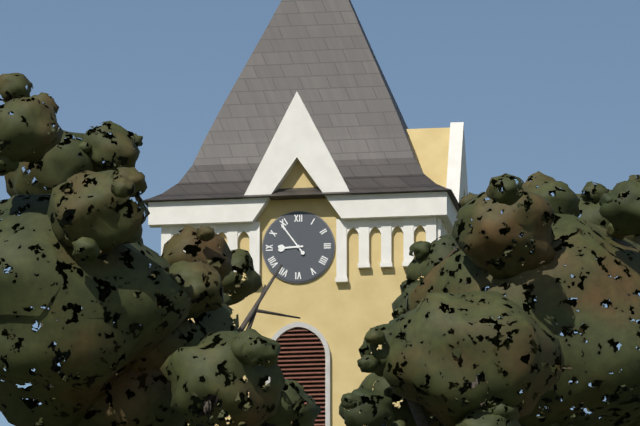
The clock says **8:54**
